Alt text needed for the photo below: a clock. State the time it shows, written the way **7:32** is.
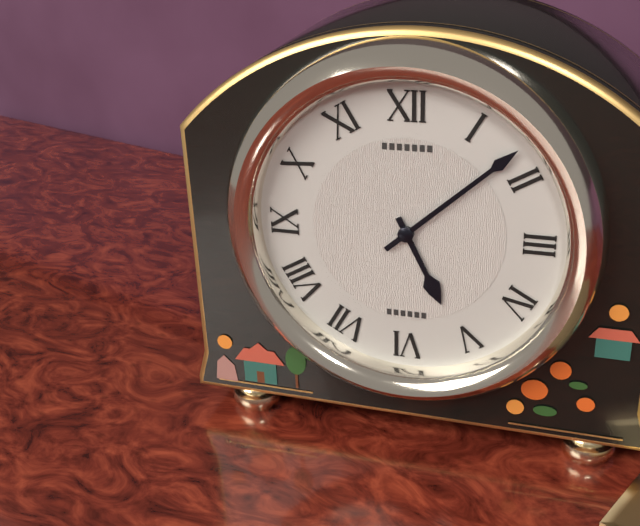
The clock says **5:08**
